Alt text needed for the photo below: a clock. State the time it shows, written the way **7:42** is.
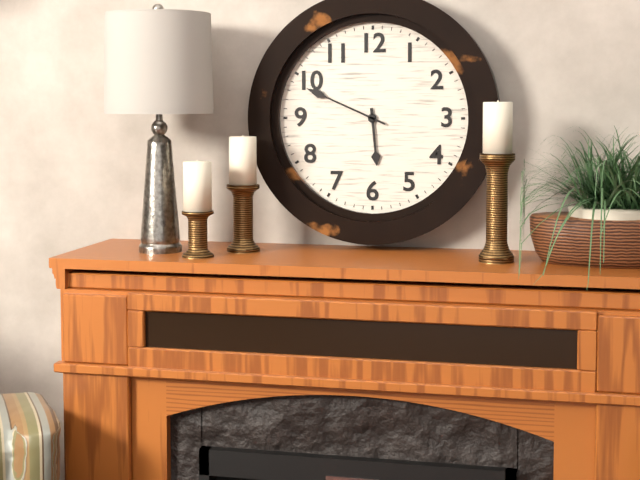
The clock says **5:49**
